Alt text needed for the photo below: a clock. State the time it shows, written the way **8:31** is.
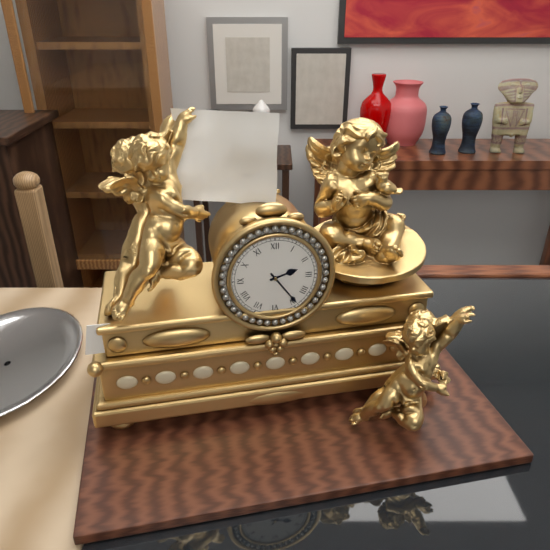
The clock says **2:24**
